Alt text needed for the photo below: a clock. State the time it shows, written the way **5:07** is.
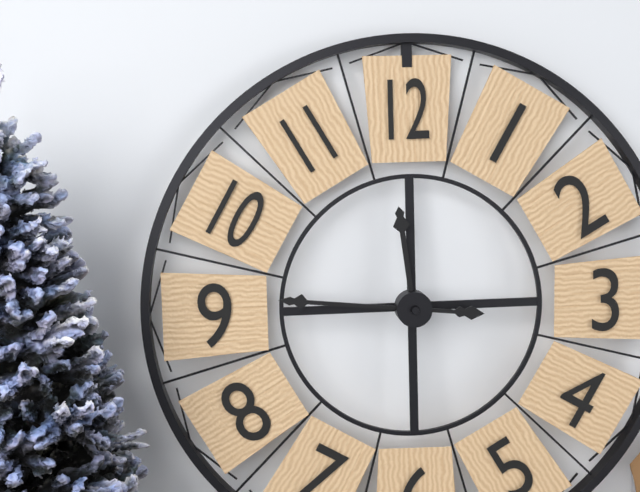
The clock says **11:46**
